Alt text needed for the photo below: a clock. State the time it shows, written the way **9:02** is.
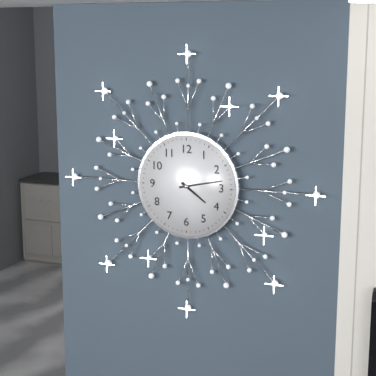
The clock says **4:13**
